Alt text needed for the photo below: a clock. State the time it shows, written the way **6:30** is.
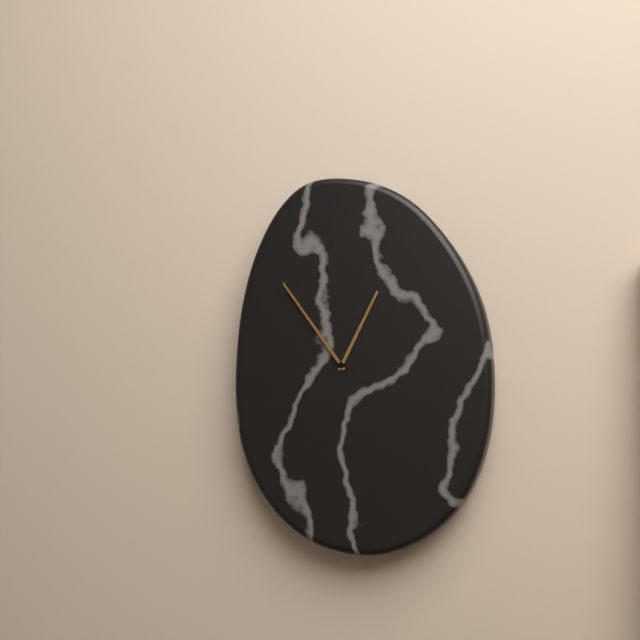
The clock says **12:54**
